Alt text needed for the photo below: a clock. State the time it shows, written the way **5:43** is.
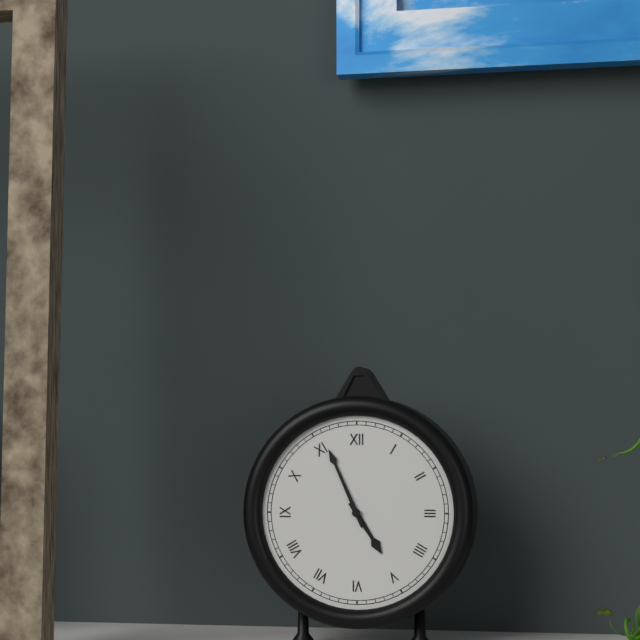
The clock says **4:56**
